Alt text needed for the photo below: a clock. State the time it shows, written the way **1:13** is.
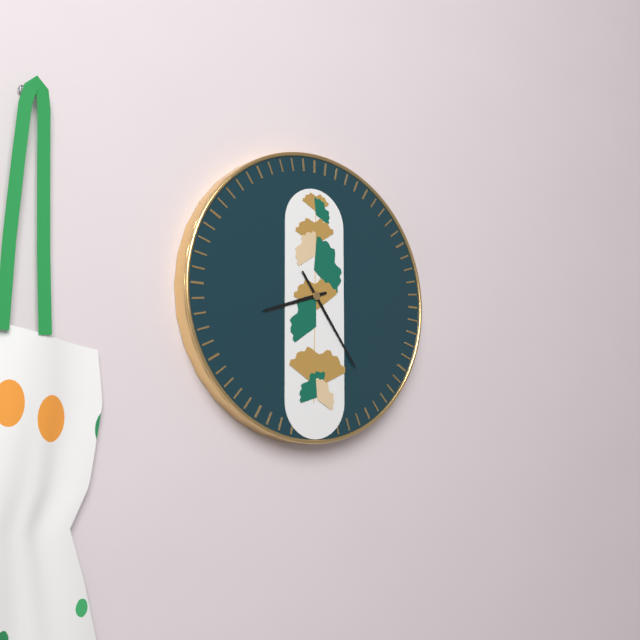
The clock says **8:24**
